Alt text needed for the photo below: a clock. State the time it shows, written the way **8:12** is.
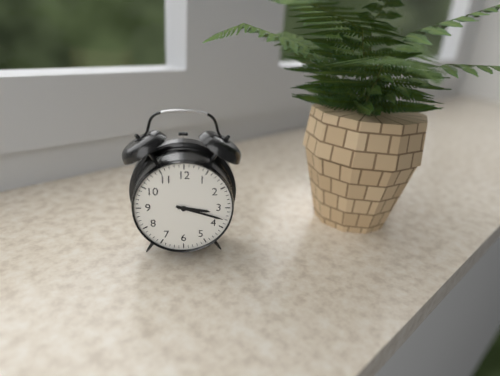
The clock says **3:18**
